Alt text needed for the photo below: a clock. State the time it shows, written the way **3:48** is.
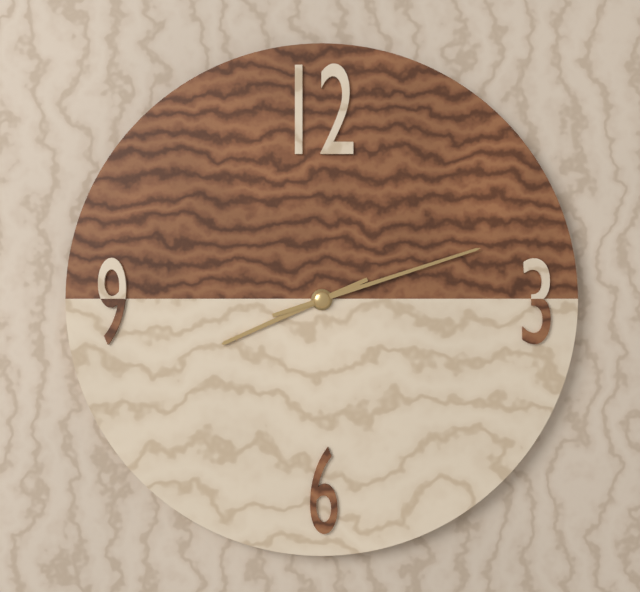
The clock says **8:12**
